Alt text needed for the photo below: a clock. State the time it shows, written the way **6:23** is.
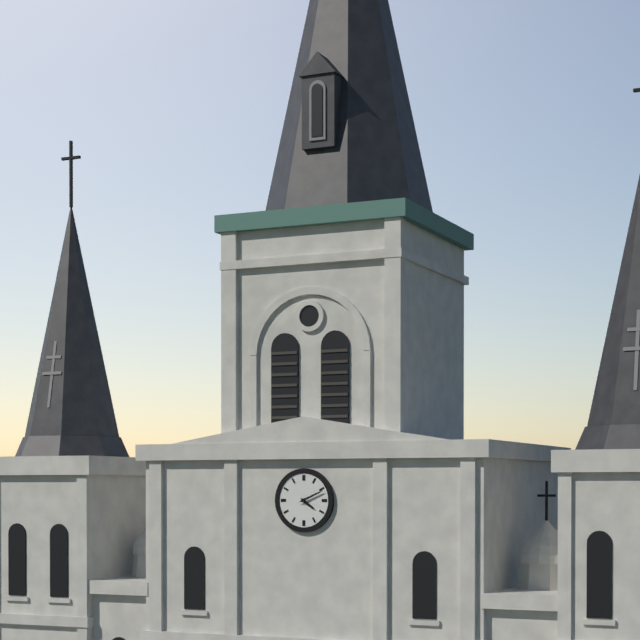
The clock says **4:11**
